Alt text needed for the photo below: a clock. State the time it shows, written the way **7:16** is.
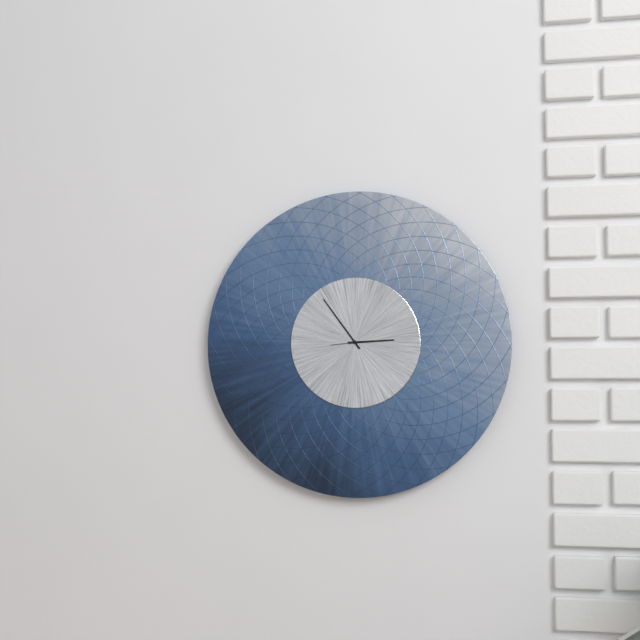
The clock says **2:54**
